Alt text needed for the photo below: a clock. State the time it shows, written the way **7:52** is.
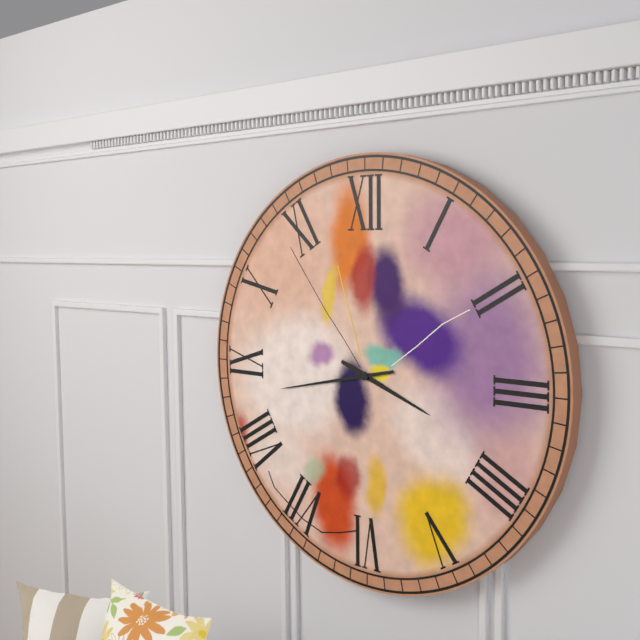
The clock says **3:43**
